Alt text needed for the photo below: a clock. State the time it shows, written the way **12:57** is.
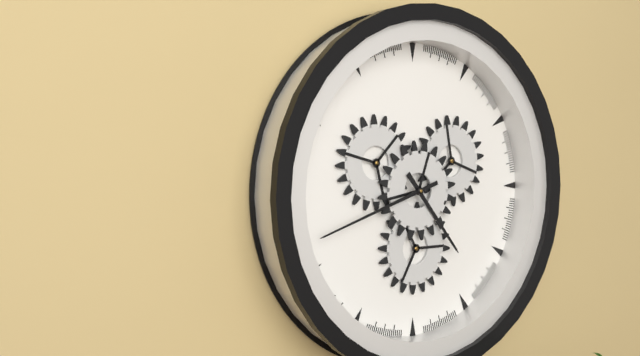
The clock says **4:42**
